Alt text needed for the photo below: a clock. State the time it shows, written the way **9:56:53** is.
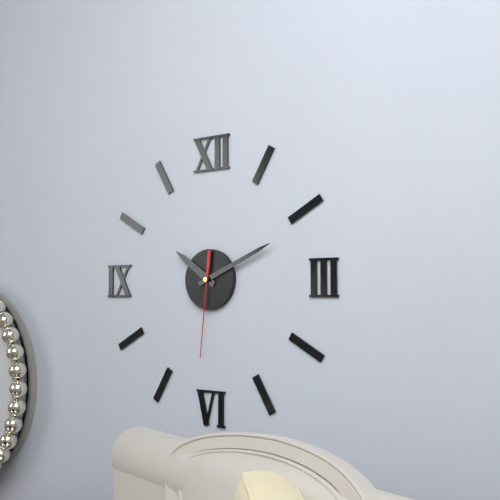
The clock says **10:11:31**
